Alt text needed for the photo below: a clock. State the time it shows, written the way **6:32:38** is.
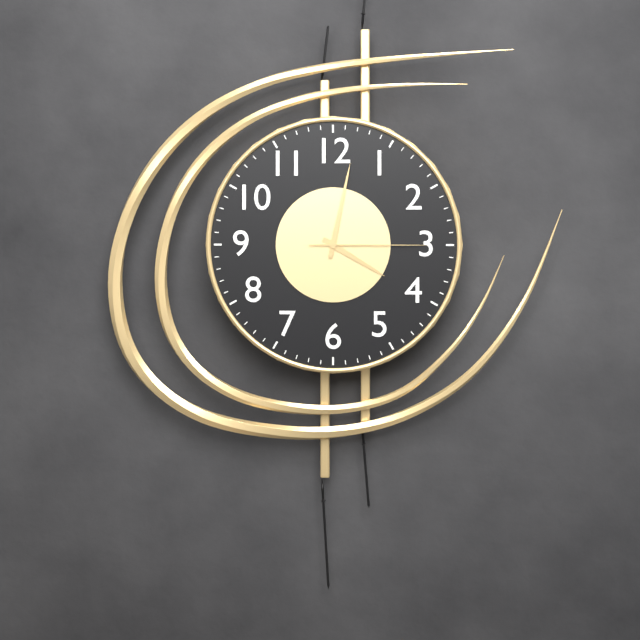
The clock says **4:02:15**
